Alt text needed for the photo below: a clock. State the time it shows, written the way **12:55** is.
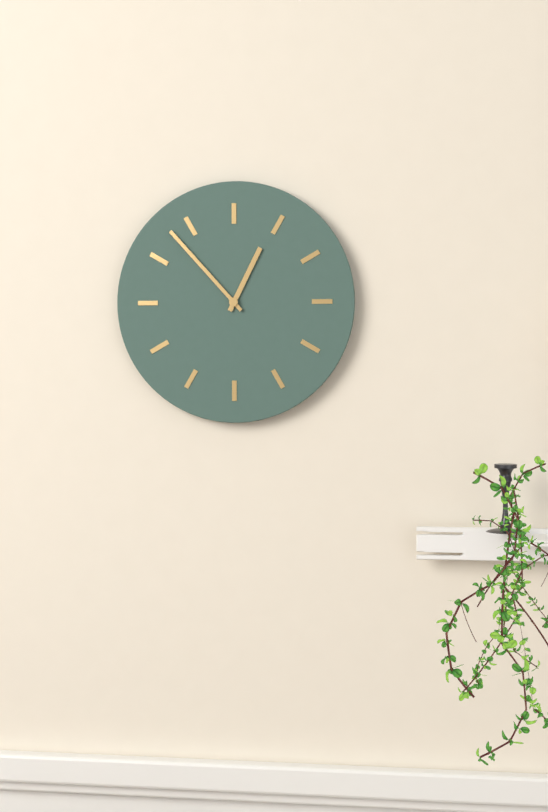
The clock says **12:53**
